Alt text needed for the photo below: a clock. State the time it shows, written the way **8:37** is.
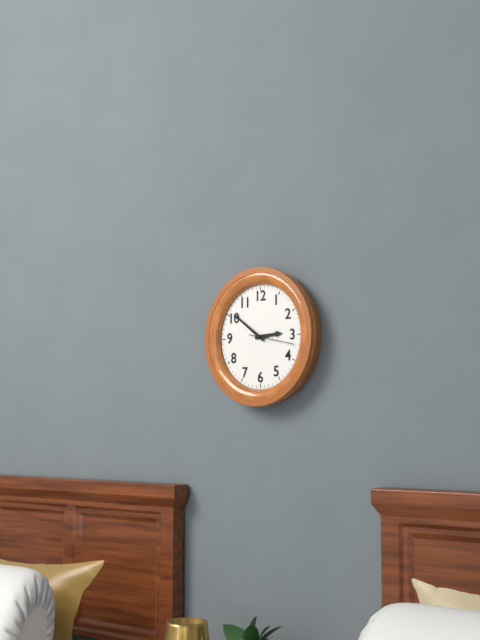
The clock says **2:51**
